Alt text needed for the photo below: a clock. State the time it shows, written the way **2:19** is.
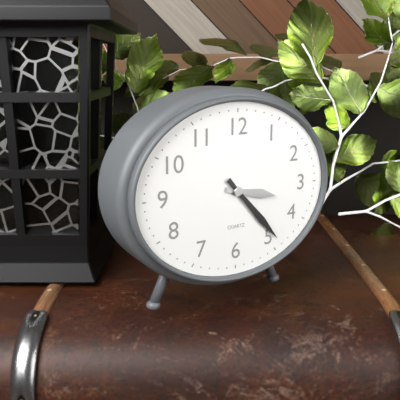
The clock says **3:23**
